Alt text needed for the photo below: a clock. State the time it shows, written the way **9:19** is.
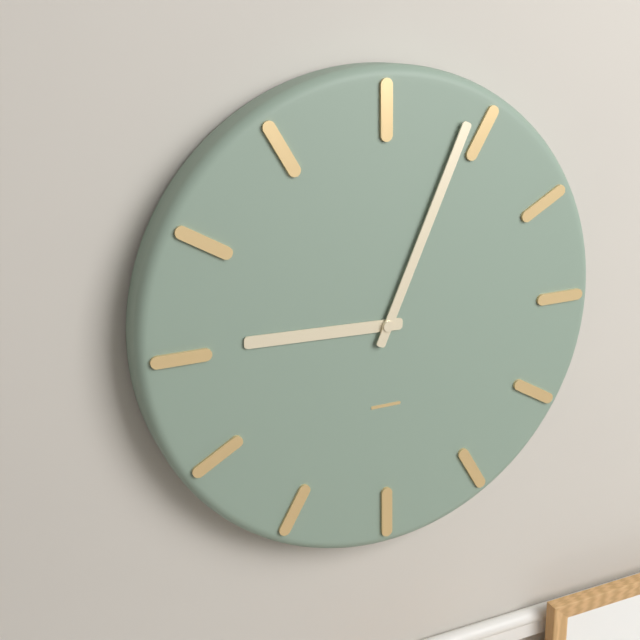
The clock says **9:04**
